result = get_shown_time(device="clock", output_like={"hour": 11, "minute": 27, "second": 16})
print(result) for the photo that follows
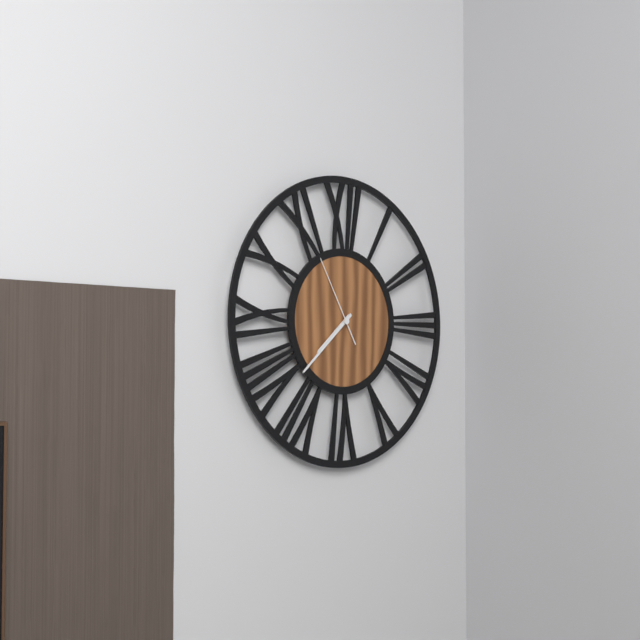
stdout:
{"hour": 7, "minute": 38, "second": 55}
